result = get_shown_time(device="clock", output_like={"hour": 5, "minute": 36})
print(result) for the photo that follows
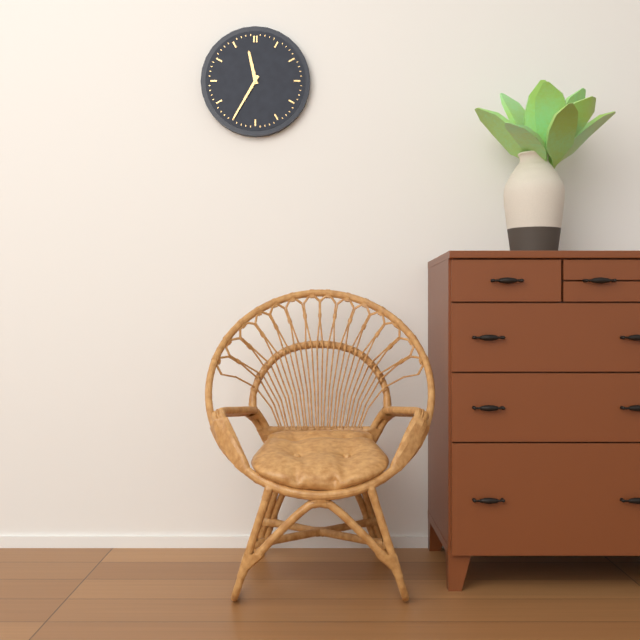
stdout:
{"hour": 11, "minute": 35}
